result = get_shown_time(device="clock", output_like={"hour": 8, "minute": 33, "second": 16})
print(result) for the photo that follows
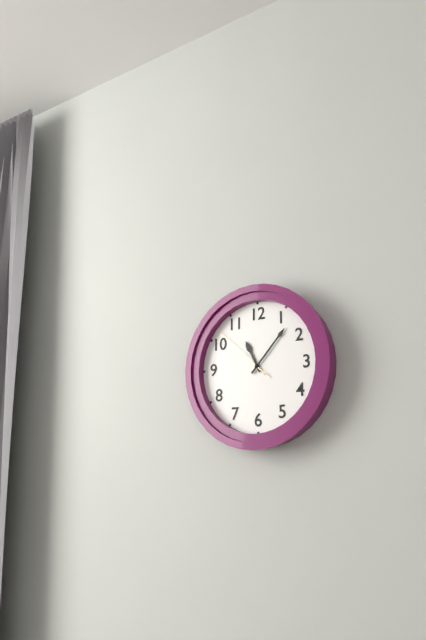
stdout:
{"hour": 11, "minute": 7, "second": 52}
